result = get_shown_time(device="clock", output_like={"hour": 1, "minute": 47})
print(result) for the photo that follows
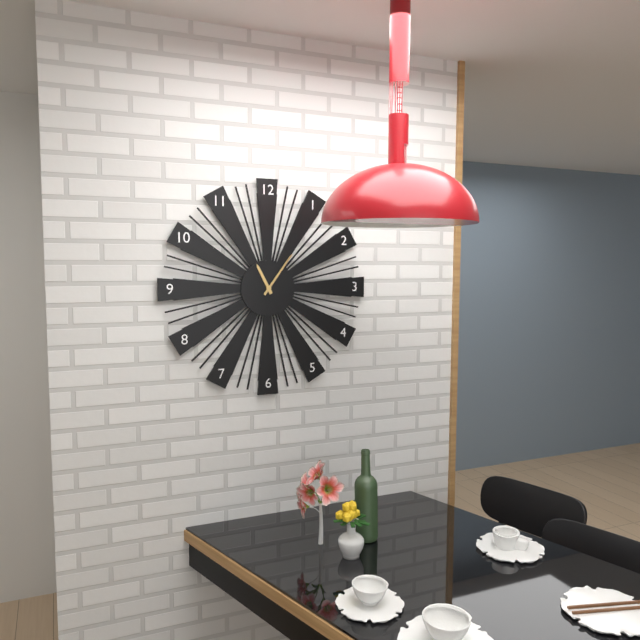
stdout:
{"hour": 11, "minute": 6}
